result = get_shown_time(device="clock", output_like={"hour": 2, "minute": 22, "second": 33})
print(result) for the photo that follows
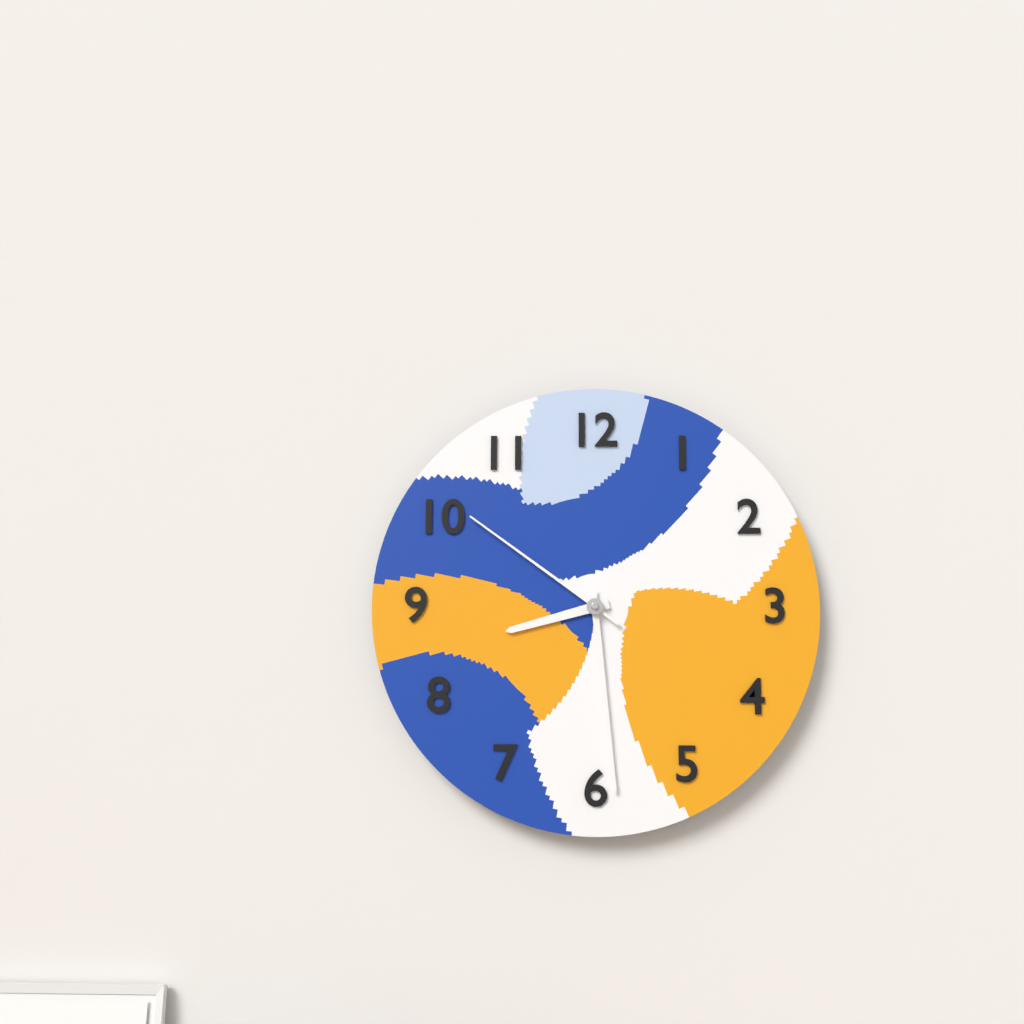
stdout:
{"hour": 8, "minute": 29, "second": 51}
